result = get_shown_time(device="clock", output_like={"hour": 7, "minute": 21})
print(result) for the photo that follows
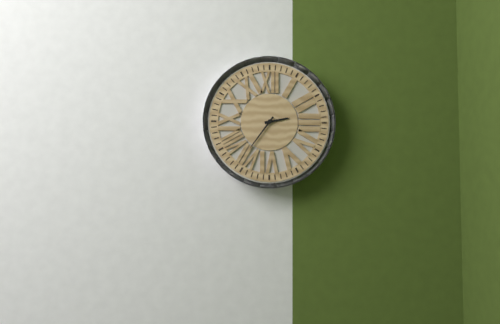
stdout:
{"hour": 2, "minute": 36}
